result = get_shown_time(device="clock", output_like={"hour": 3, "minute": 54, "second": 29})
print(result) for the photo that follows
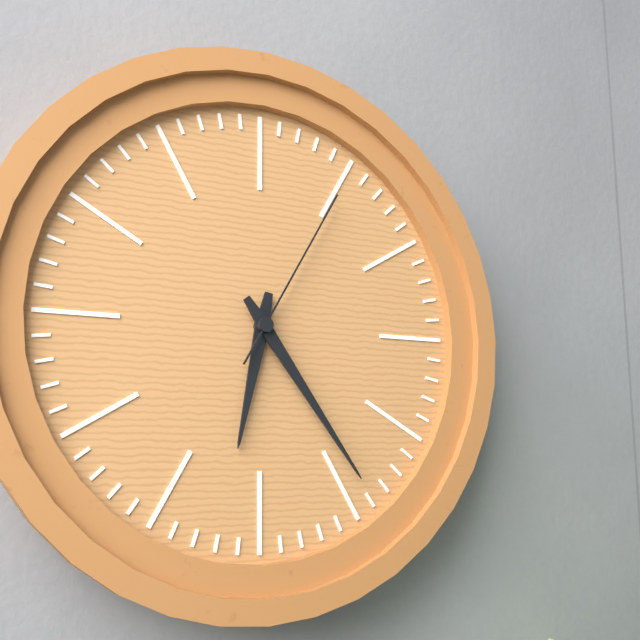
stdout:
{"hour": 6, "minute": 24, "second": 5}
